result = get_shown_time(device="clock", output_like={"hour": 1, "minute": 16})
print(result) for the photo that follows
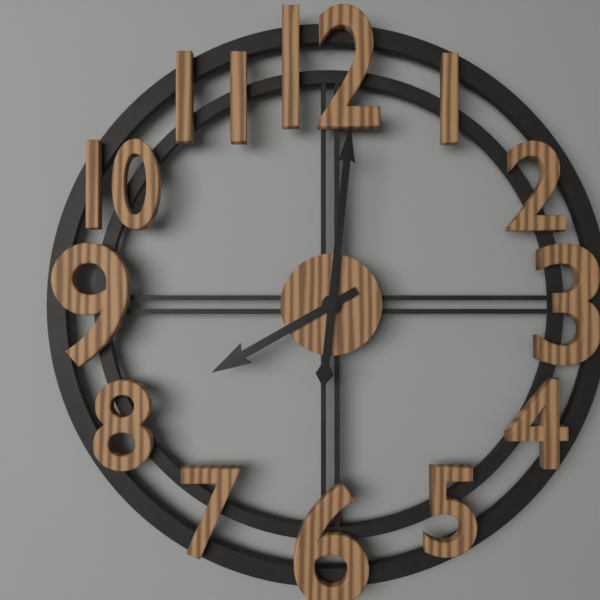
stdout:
{"hour": 8, "minute": 1}
